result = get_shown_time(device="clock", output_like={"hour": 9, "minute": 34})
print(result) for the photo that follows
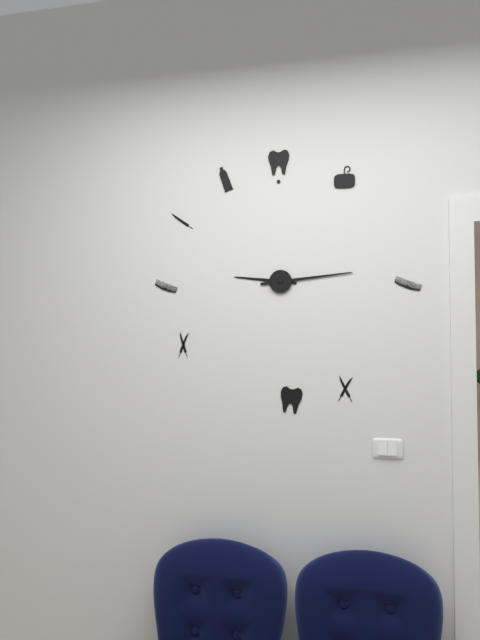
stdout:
{"hour": 9, "minute": 14}
